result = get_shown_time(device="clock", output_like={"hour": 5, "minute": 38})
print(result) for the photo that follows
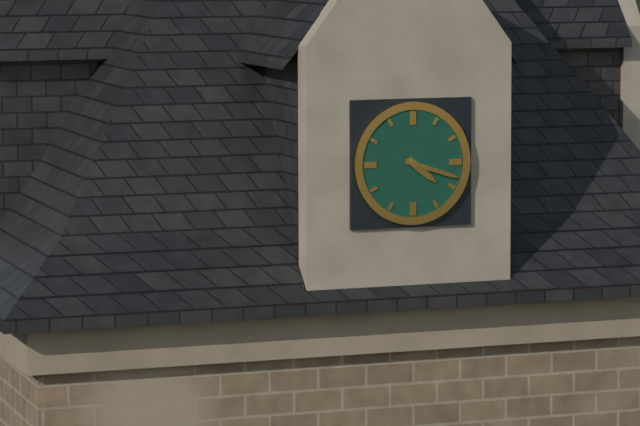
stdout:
{"hour": 4, "minute": 18}
